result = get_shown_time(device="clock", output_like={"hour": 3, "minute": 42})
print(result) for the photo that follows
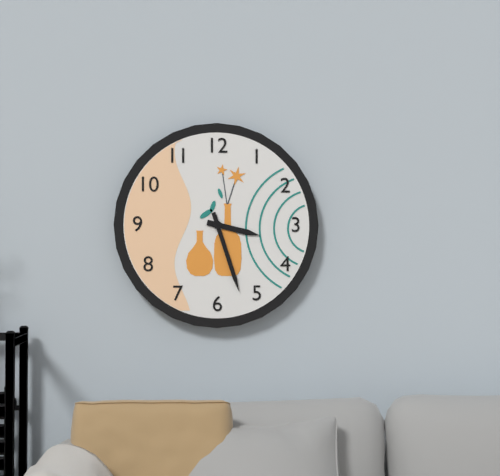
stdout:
{"hour": 3, "minute": 27}
